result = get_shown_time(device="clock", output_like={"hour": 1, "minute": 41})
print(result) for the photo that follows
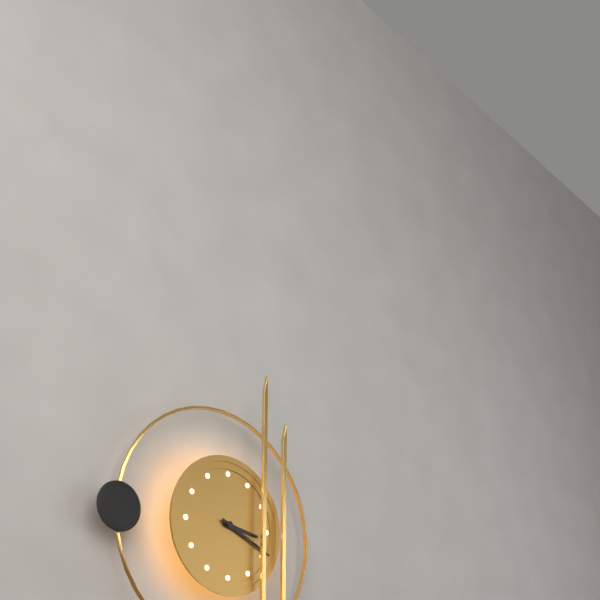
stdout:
{"hour": 3, "minute": 19}
